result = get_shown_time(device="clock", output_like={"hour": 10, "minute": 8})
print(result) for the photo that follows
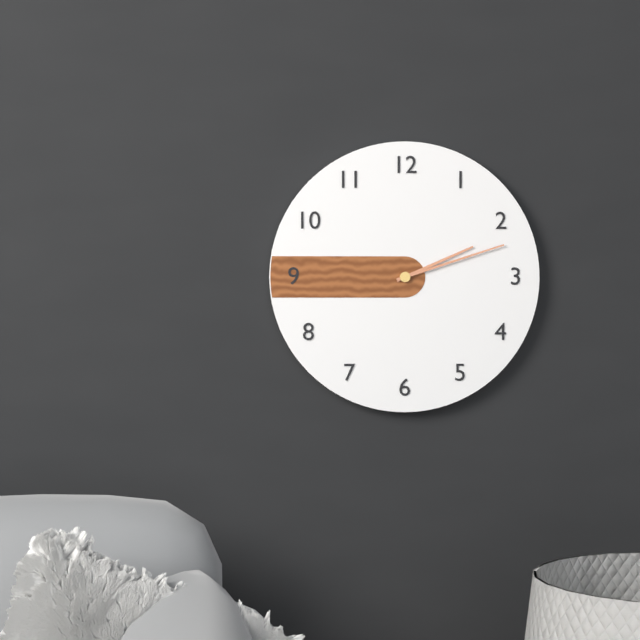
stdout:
{"hour": 2, "minute": 12}
